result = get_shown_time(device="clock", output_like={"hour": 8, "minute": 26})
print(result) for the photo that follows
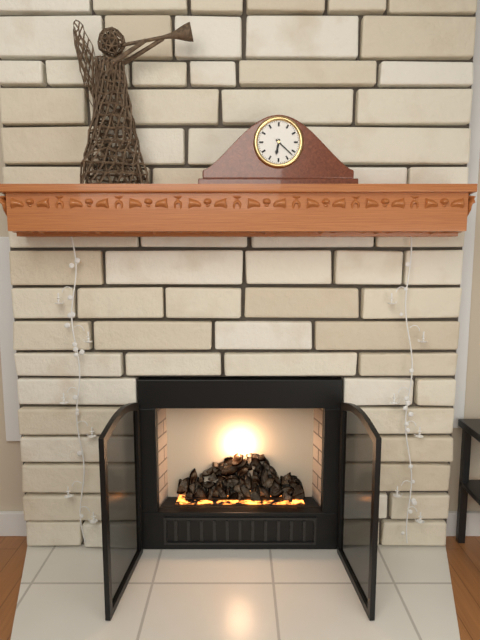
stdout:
{"hour": 6, "minute": 22}
